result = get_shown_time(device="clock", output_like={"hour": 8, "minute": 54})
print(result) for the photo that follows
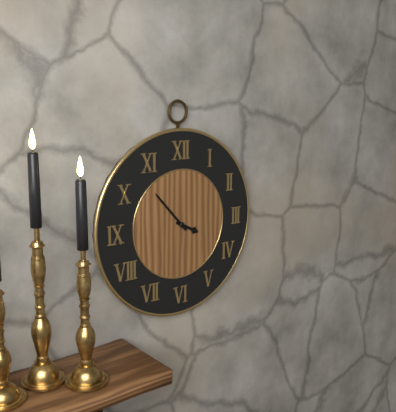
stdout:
{"hour": 3, "minute": 53}
